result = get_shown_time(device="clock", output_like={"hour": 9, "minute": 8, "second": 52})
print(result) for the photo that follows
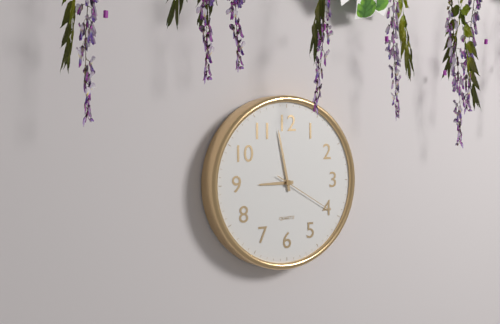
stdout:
{"hour": 8, "minute": 58, "second": 20}
